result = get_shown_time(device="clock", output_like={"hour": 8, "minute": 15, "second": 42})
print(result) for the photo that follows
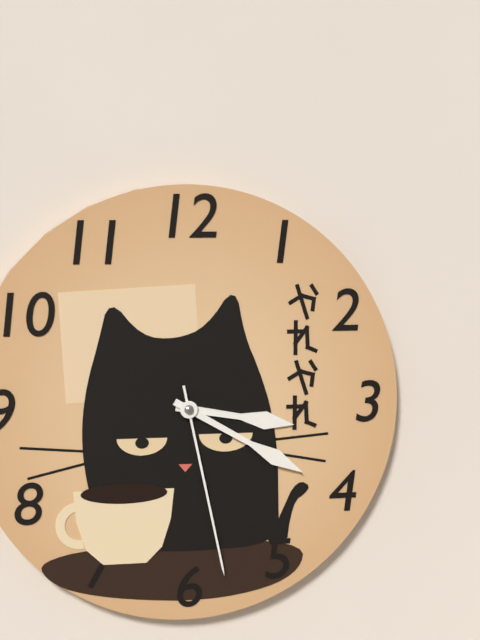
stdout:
{"hour": 3, "minute": 20, "second": 28}
